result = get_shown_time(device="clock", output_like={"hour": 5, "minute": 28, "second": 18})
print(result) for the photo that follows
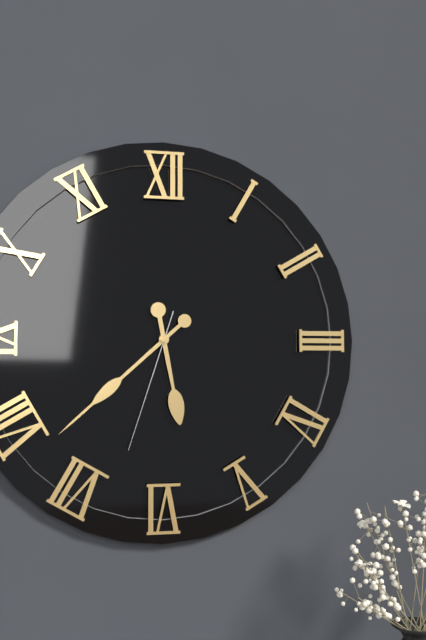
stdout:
{"hour": 5, "minute": 38, "second": 33}
